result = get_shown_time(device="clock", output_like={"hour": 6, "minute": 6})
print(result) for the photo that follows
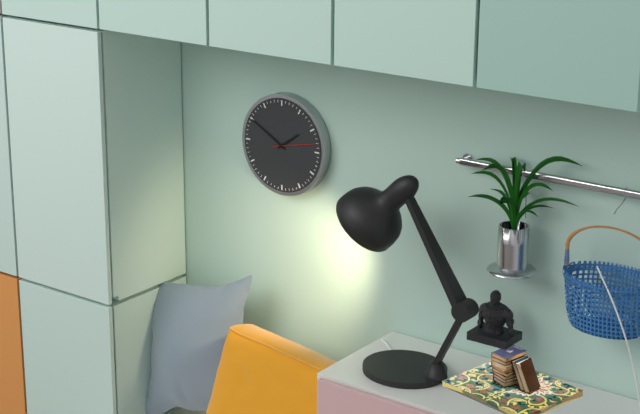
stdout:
{"hour": 1, "minute": 50}
